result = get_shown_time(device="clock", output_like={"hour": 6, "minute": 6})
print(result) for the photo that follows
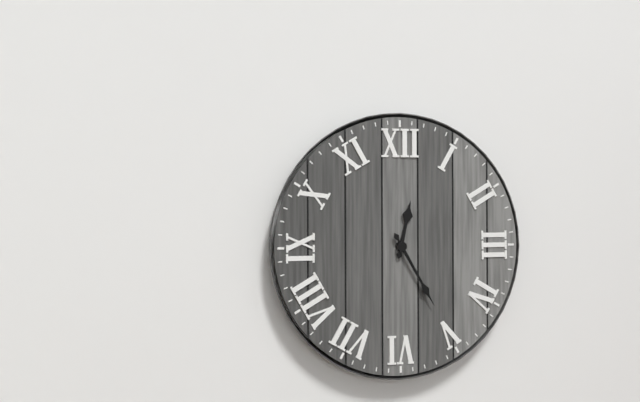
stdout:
{"hour": 12, "minute": 25}
